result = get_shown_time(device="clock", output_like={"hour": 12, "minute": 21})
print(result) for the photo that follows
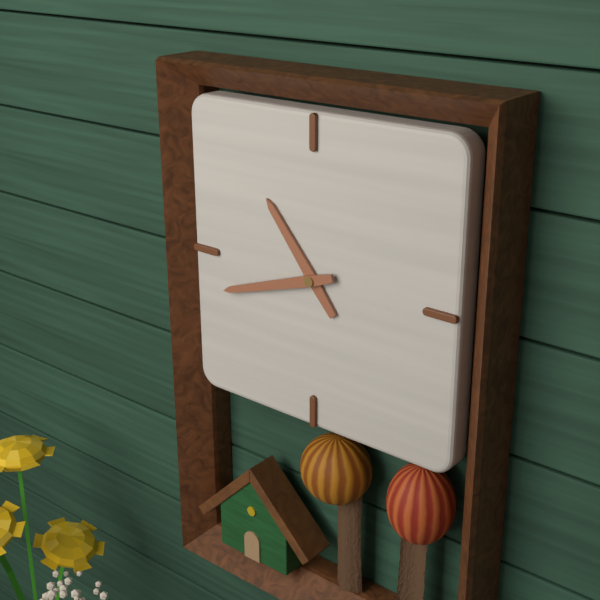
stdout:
{"hour": 10, "minute": 42}
